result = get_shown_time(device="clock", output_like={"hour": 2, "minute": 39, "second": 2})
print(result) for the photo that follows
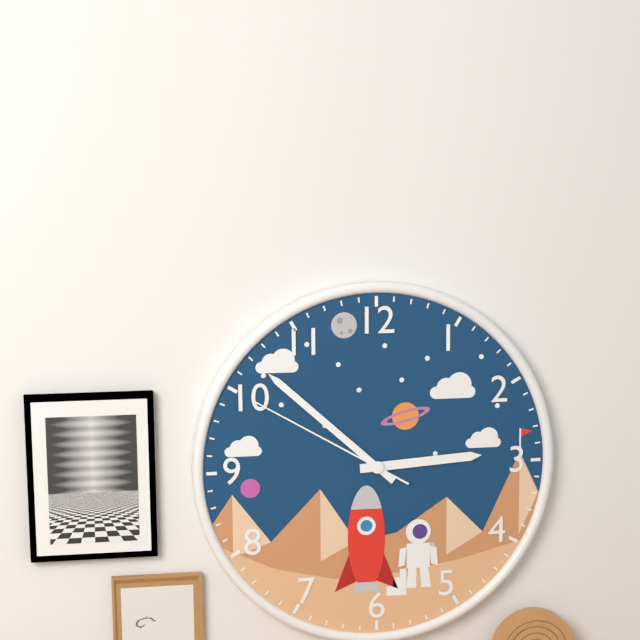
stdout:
{"hour": 2, "minute": 52, "second": 50}
